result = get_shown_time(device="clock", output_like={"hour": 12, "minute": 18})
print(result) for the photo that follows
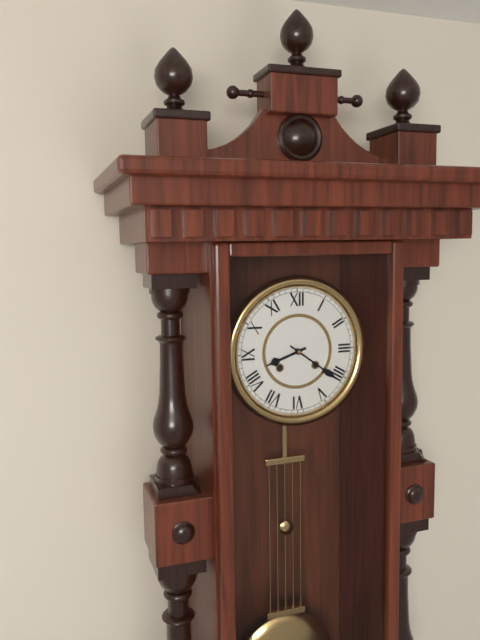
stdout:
{"hour": 8, "minute": 21}
